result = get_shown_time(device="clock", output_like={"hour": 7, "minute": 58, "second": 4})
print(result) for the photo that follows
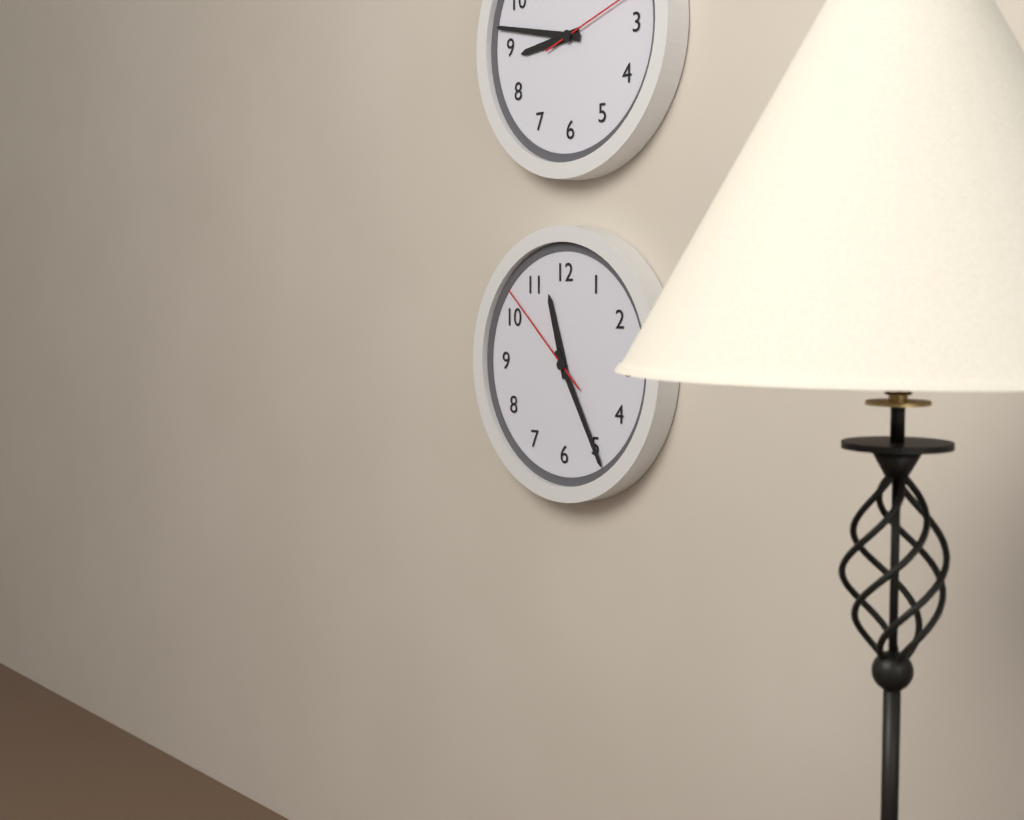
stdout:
{"hour": 11, "minute": 25, "second": 52}
